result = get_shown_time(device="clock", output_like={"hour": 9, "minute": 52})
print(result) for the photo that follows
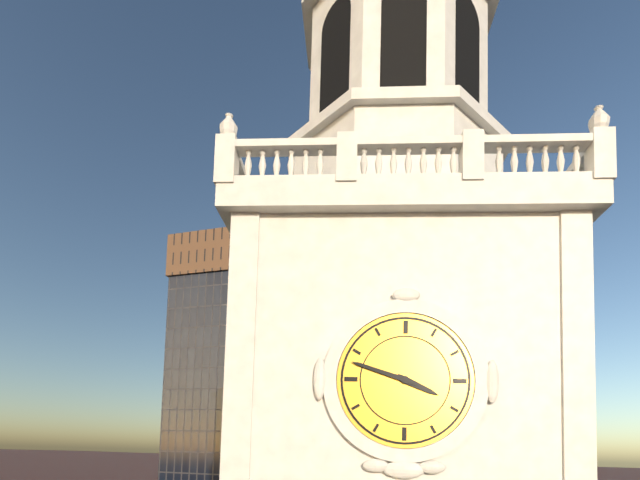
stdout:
{"hour": 3, "minute": 48}
